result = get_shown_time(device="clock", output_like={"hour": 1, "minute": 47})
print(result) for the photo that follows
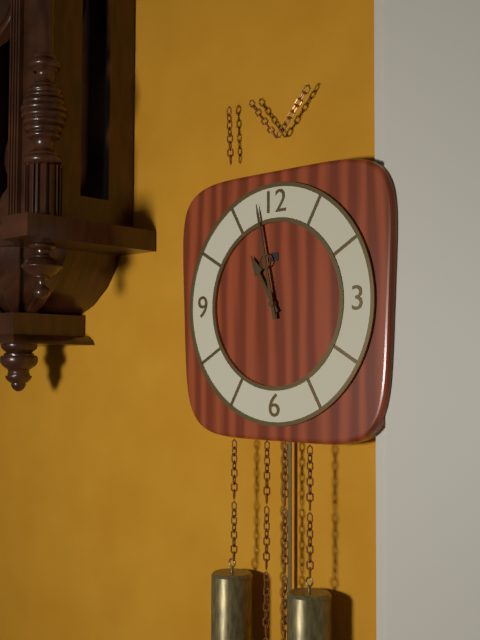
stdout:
{"hour": 10, "minute": 58}
